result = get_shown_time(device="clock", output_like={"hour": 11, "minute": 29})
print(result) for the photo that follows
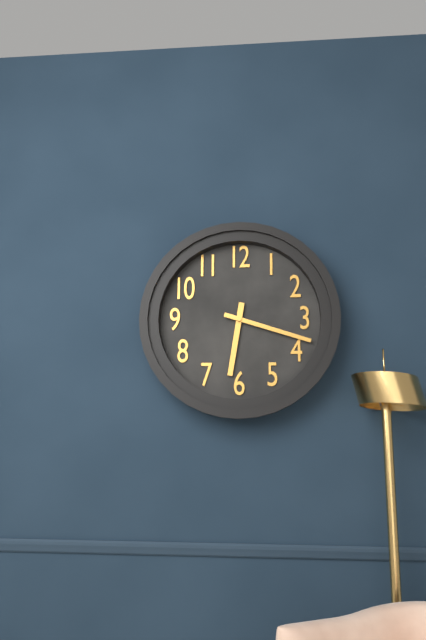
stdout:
{"hour": 6, "minute": 18}
